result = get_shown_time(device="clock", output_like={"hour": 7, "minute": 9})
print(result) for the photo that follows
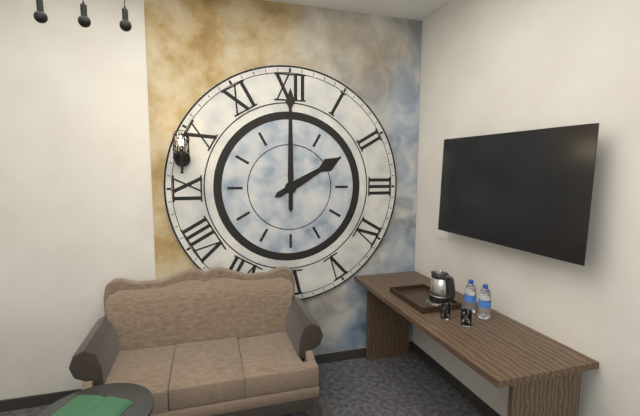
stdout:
{"hour": 2, "minute": 0}
